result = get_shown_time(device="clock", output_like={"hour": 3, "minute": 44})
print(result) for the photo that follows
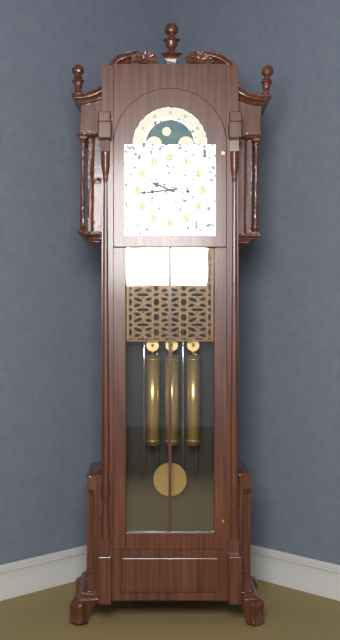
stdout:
{"hour": 9, "minute": 44}
